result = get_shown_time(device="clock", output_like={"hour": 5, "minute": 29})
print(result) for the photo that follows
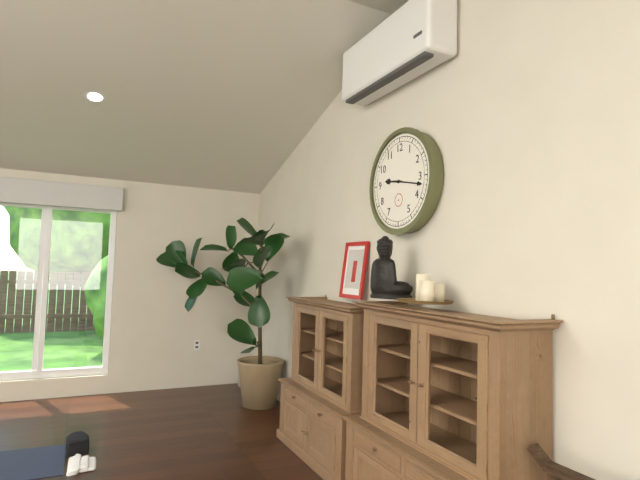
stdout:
{"hour": 9, "minute": 17}
